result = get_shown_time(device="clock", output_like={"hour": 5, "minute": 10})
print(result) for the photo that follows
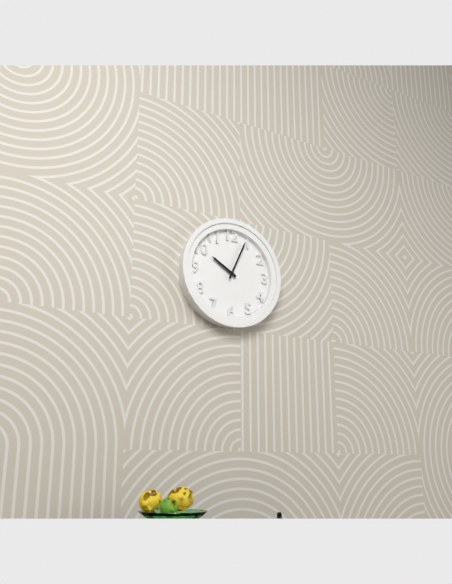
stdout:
{"hour": 10, "minute": 4}
